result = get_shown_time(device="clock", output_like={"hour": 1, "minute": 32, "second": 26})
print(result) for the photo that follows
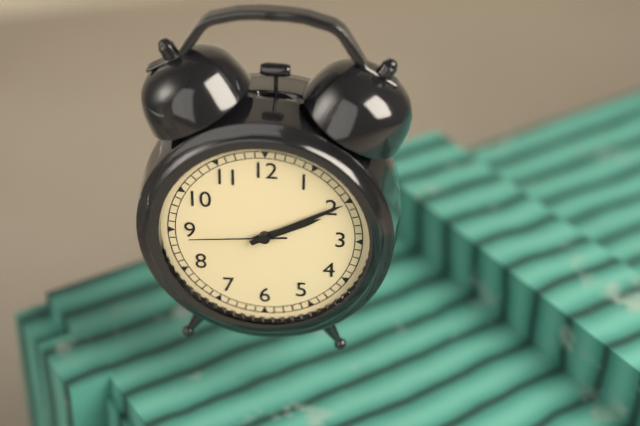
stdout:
{"hour": 2, "minute": 10, "second": 44}
